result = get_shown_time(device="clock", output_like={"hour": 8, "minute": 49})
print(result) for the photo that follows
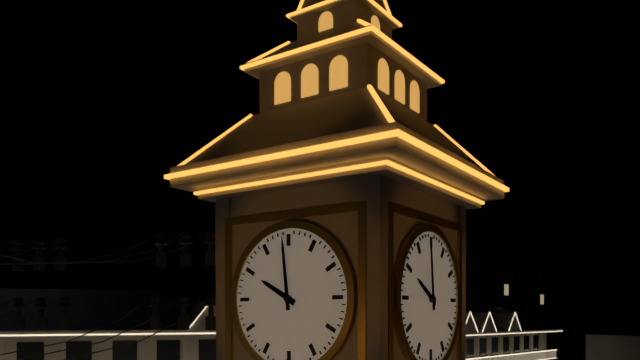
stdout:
{"hour": 9, "minute": 59}
